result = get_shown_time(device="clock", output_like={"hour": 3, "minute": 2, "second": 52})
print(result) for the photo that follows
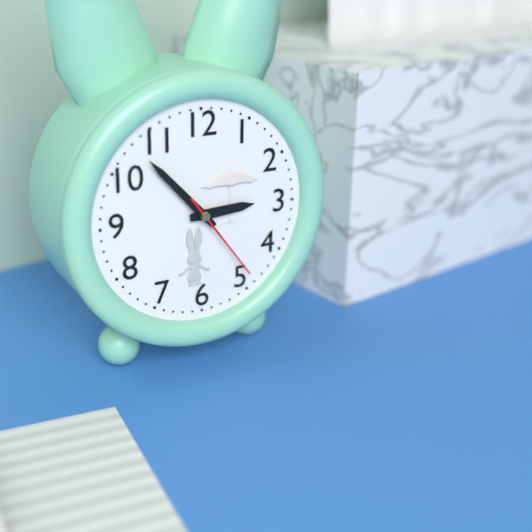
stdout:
{"hour": 2, "minute": 53, "second": 24}
